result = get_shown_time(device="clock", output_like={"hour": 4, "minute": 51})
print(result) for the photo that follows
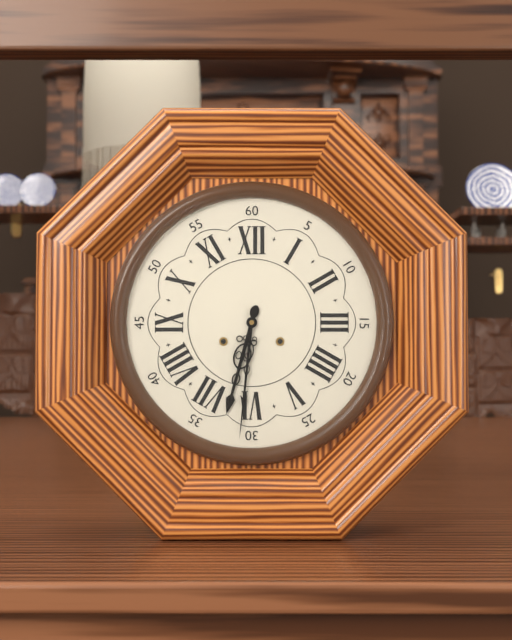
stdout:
{"hour": 6, "minute": 31}
